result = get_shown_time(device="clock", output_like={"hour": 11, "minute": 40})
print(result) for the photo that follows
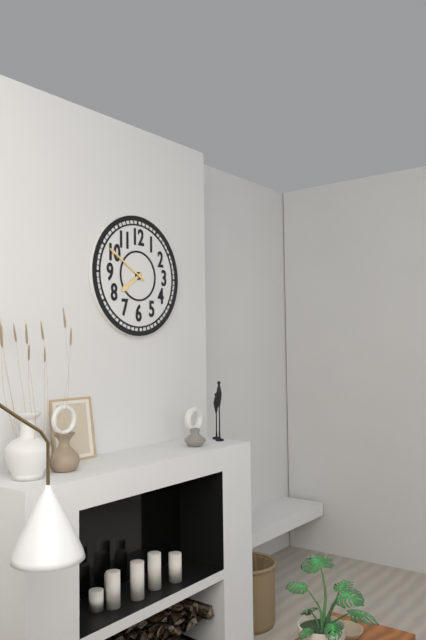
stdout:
{"hour": 7, "minute": 50}
